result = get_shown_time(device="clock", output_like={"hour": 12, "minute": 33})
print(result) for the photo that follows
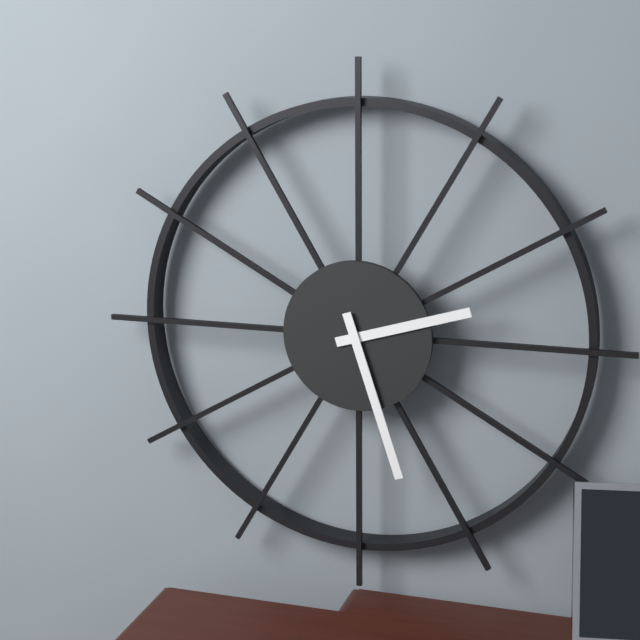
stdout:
{"hour": 2, "minute": 27}
